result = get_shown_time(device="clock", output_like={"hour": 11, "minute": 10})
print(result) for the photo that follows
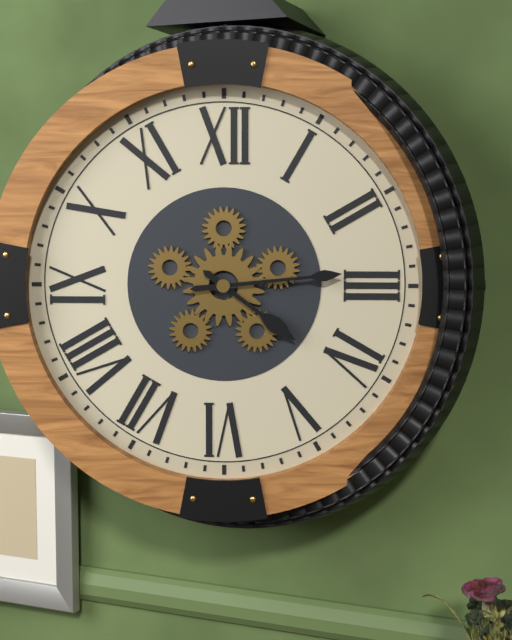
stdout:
{"hour": 4, "minute": 14}
